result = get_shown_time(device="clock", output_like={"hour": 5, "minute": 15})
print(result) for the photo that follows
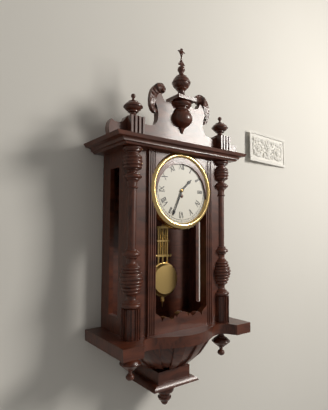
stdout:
{"hour": 1, "minute": 34}
